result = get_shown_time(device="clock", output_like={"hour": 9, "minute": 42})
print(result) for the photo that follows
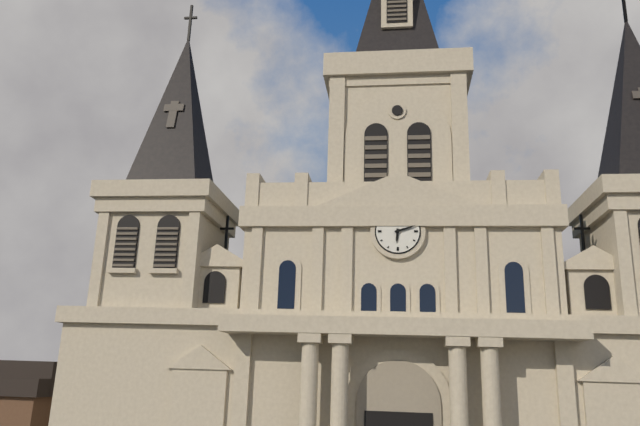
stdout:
{"hour": 6, "minute": 12}
